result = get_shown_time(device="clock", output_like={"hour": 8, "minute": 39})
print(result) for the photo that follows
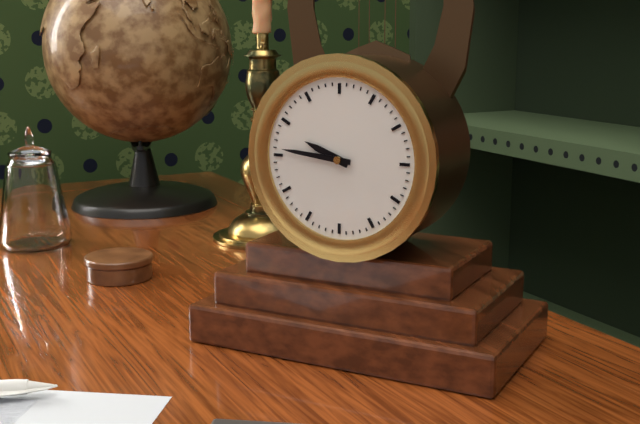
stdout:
{"hour": 9, "minute": 46}
